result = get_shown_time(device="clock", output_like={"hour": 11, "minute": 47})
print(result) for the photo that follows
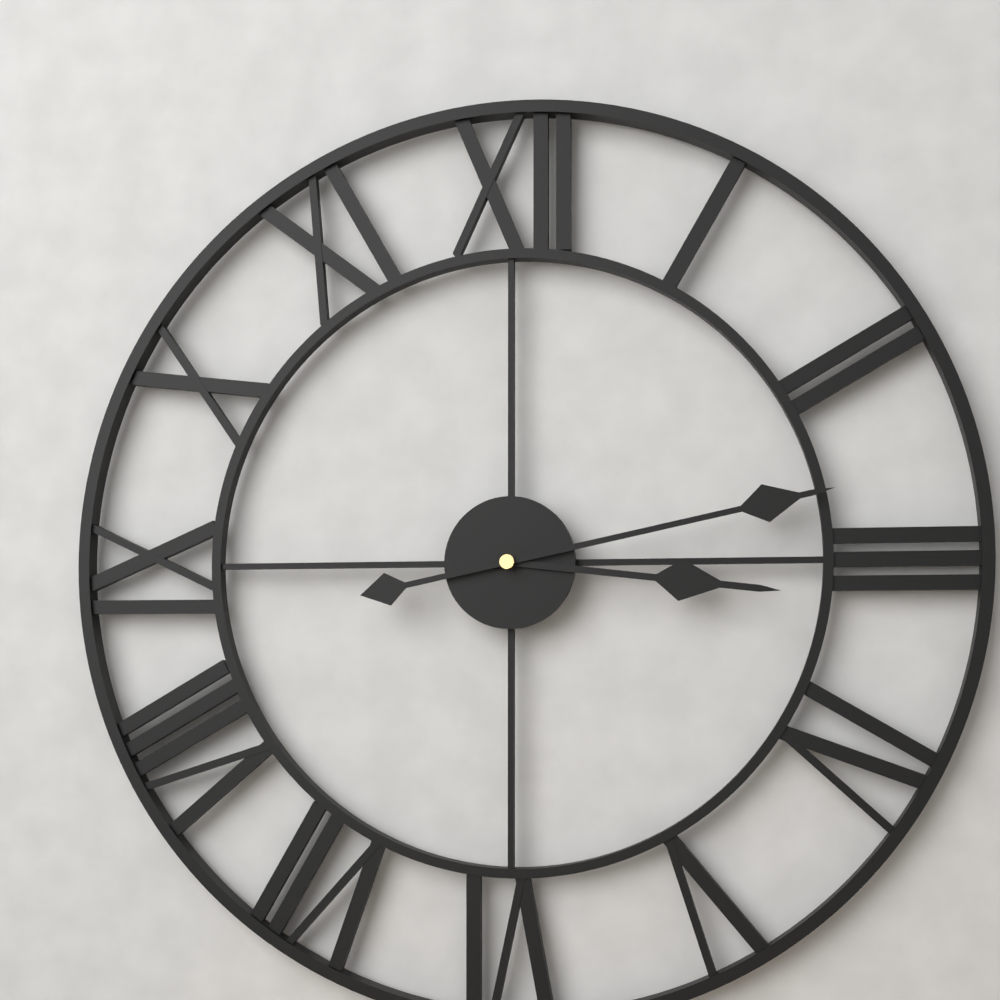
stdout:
{"hour": 3, "minute": 13}
